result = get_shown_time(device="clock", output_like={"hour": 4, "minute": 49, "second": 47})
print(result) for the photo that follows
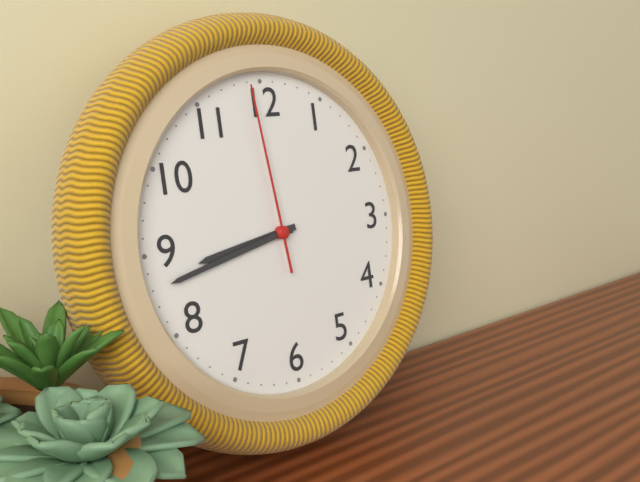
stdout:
{"hour": 8, "minute": 43, "second": 59}
